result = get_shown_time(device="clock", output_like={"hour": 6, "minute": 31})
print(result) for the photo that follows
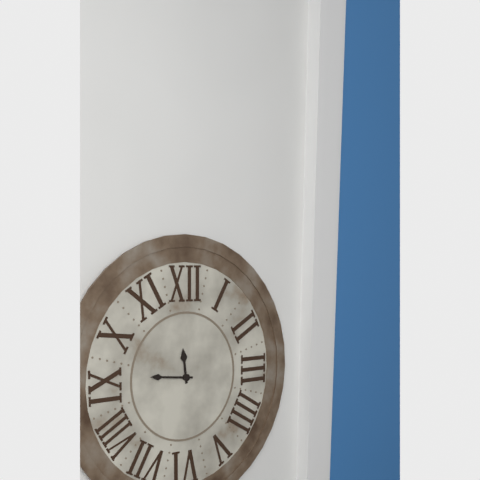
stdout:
{"hour": 11, "minute": 46}
